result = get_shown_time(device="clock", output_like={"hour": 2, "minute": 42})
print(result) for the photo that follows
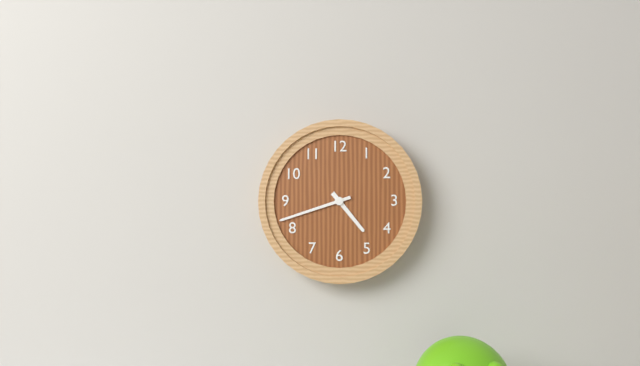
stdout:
{"hour": 4, "minute": 42}
